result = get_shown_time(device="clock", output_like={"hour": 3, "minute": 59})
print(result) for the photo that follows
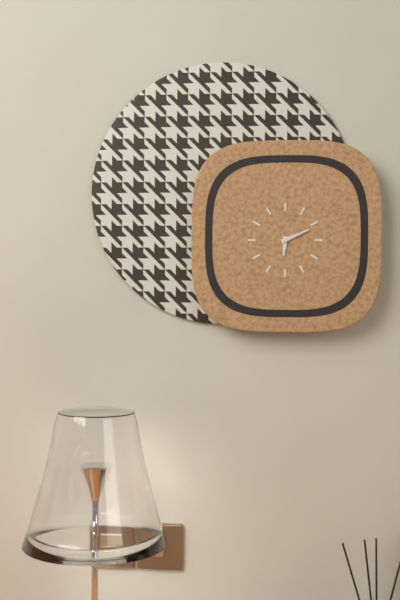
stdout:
{"hour": 6, "minute": 11}
